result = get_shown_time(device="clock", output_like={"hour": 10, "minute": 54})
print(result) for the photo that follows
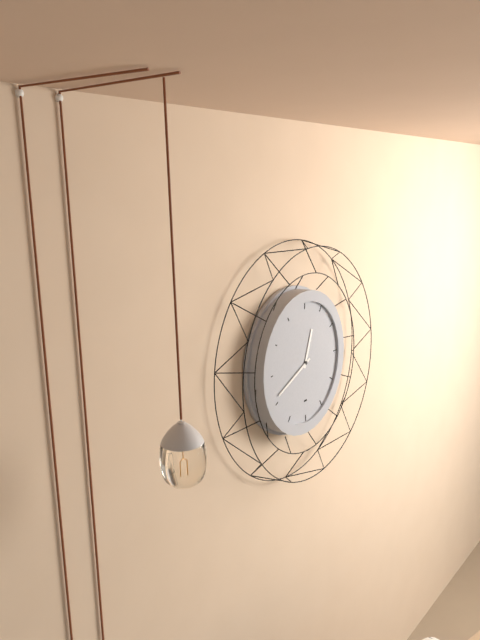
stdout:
{"hour": 12, "minute": 41}
